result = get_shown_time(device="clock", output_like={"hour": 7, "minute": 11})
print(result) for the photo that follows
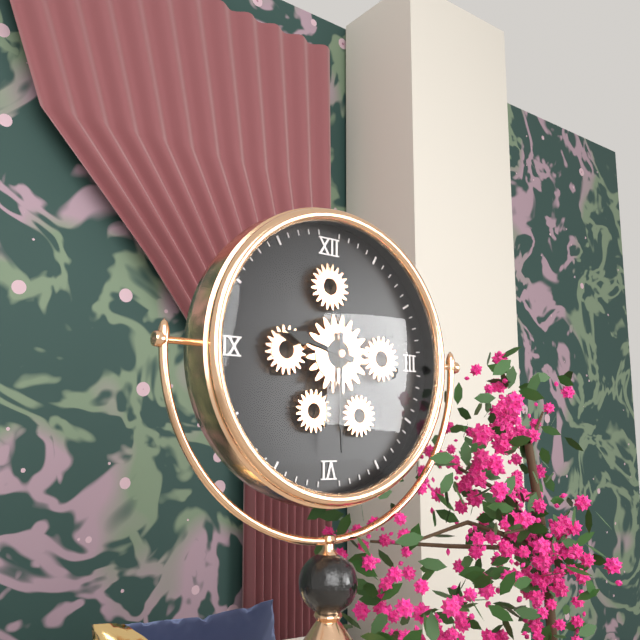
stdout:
{"hour": 9, "minute": 30}
